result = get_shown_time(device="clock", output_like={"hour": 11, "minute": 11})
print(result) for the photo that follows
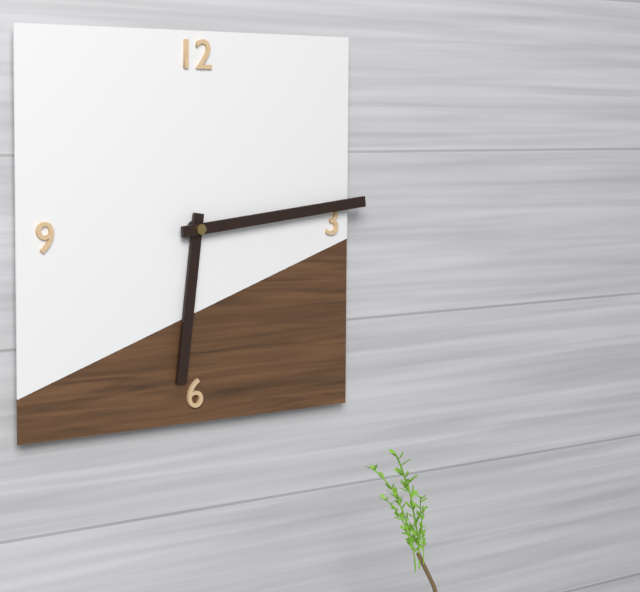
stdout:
{"hour": 6, "minute": 14}
